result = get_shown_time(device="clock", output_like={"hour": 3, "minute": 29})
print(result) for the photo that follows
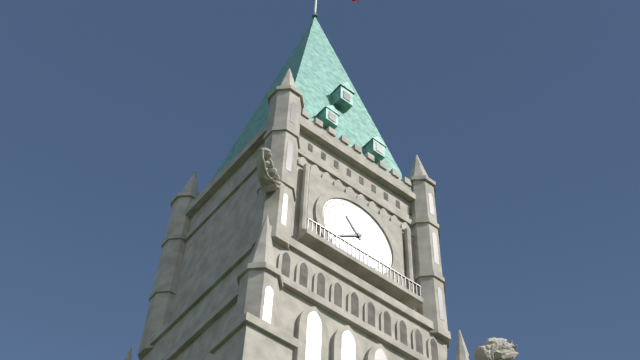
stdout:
{"hour": 10, "minute": 39}
